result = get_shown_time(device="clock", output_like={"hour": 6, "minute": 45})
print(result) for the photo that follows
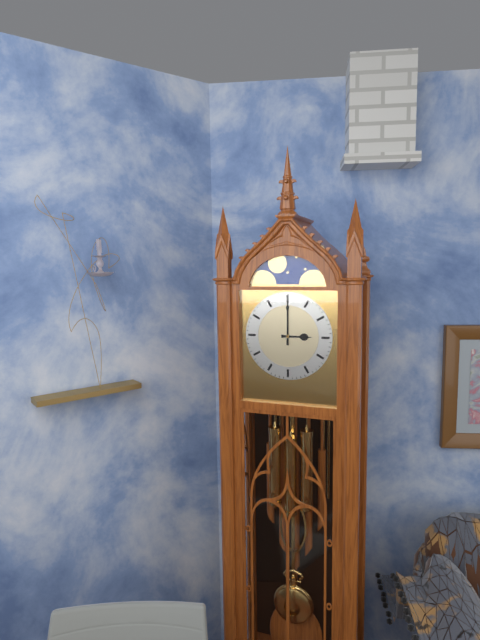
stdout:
{"hour": 3, "minute": 0}
